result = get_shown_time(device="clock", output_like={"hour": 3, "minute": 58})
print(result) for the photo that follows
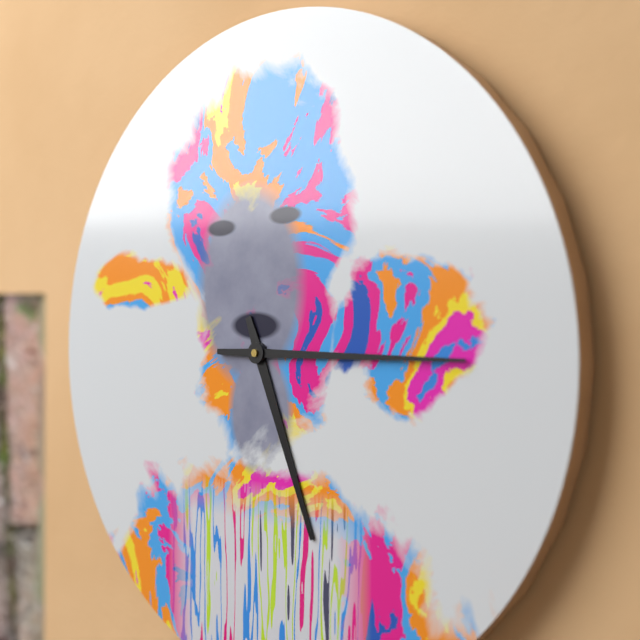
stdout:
{"hour": 5, "minute": 15}
